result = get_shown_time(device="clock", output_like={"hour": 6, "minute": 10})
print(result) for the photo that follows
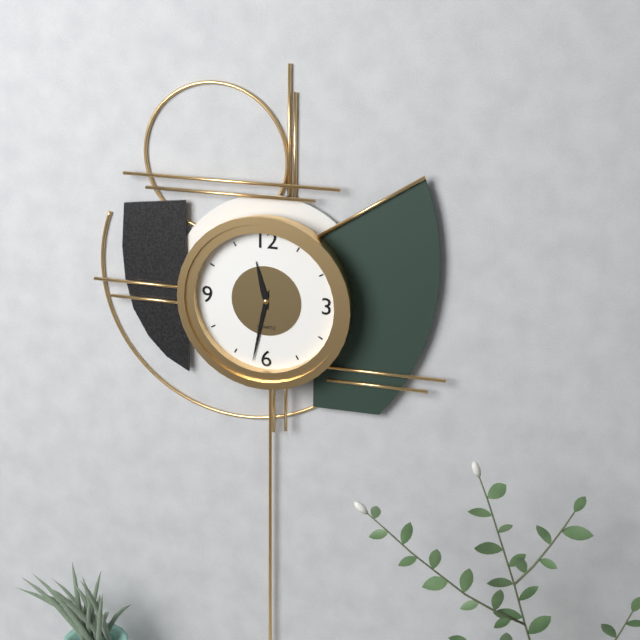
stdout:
{"hour": 11, "minute": 32}
